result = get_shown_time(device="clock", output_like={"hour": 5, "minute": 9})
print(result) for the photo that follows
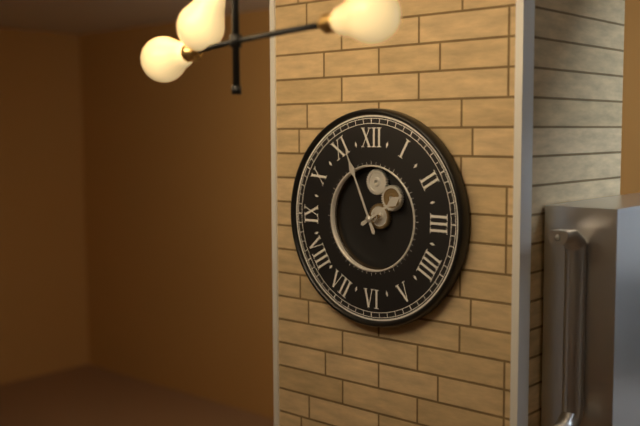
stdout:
{"hour": 1, "minute": 56}
